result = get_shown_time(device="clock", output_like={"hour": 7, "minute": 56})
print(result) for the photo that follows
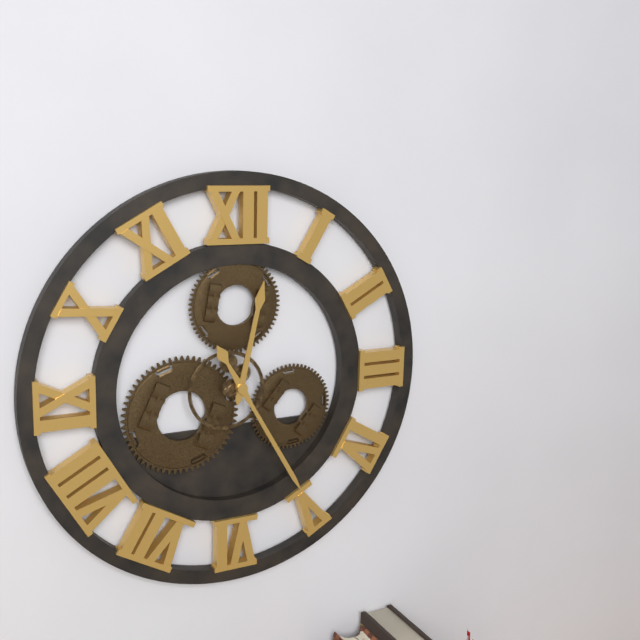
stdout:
{"hour": 12, "minute": 25}
